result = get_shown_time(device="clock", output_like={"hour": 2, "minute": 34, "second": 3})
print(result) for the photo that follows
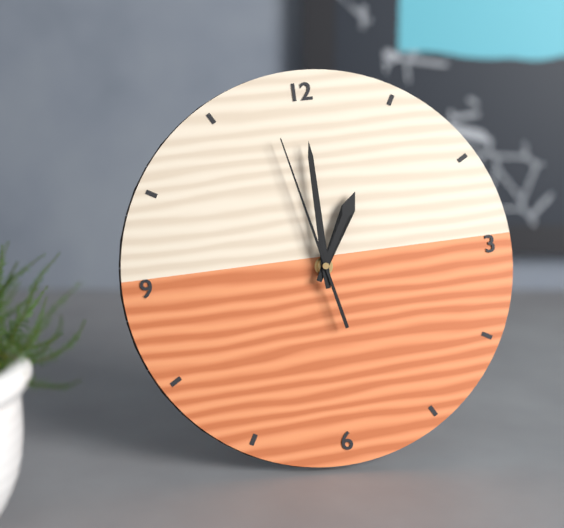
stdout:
{"hour": 1, "minute": 0, "second": 58}
